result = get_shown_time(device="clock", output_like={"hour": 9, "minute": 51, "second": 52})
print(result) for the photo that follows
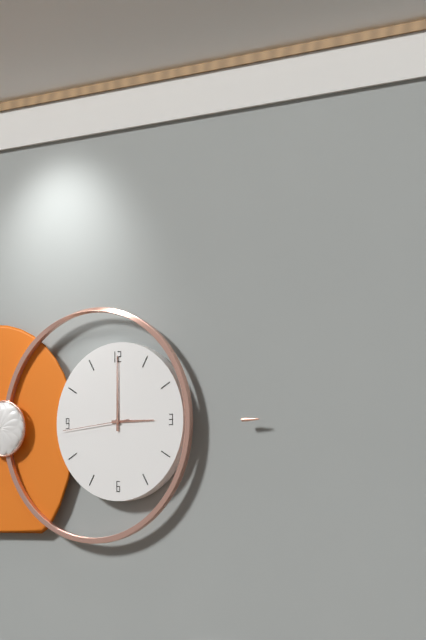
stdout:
{"hour": 3, "minute": 0, "second": 44}
